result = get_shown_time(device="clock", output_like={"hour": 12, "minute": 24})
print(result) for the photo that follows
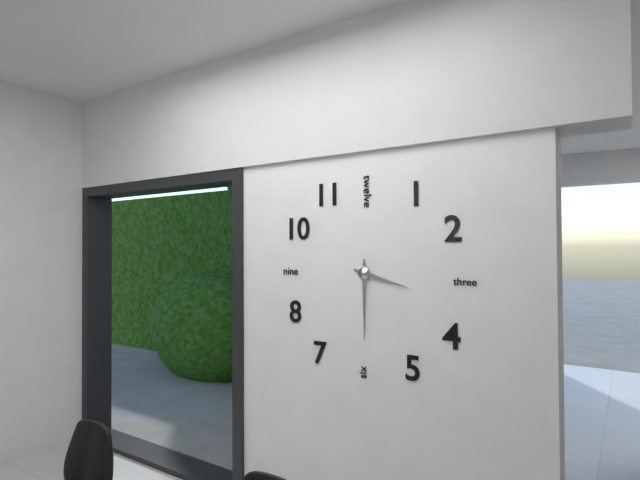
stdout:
{"hour": 3, "minute": 30}
